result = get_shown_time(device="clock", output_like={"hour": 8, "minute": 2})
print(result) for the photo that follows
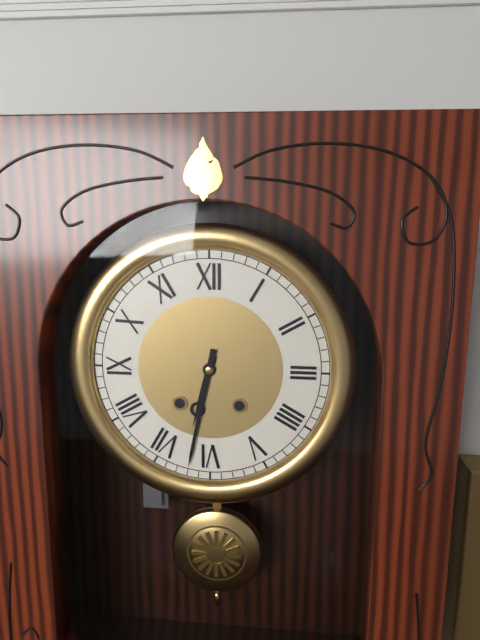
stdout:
{"hour": 6, "minute": 32}
